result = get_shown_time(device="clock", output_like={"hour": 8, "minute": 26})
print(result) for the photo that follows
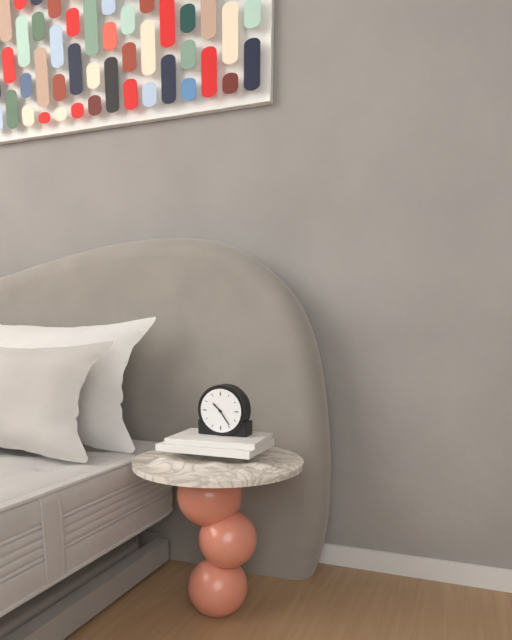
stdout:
{"hour": 10, "minute": 24}
